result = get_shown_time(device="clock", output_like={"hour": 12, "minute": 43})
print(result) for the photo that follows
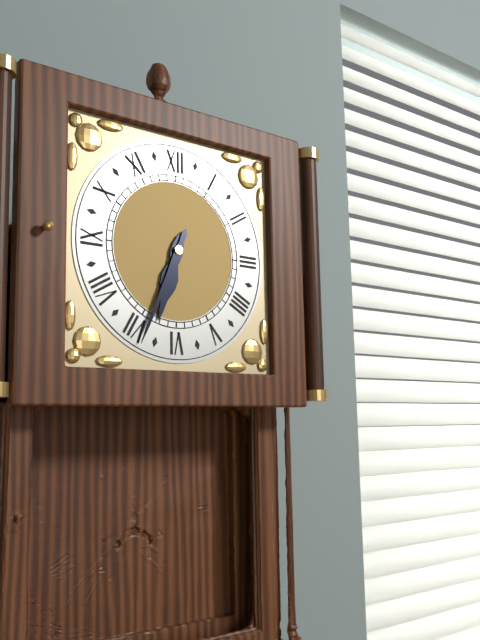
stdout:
{"hour": 6, "minute": 34}
